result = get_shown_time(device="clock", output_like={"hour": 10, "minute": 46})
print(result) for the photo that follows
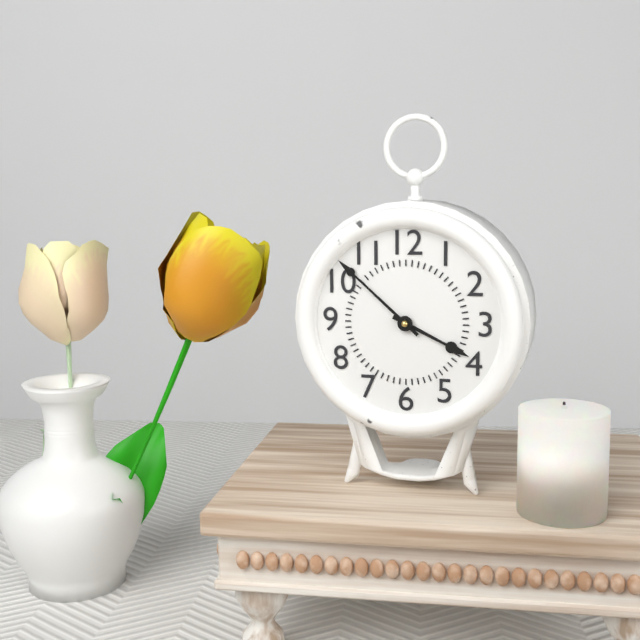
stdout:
{"hour": 3, "minute": 52}
